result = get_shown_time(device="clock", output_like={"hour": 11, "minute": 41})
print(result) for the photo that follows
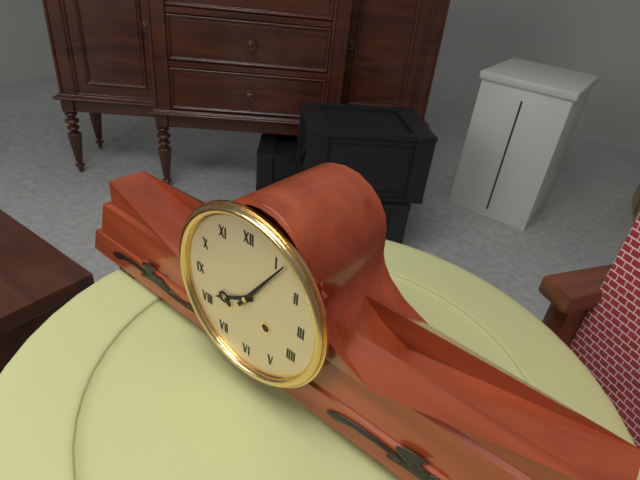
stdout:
{"hour": 8, "minute": 6}
